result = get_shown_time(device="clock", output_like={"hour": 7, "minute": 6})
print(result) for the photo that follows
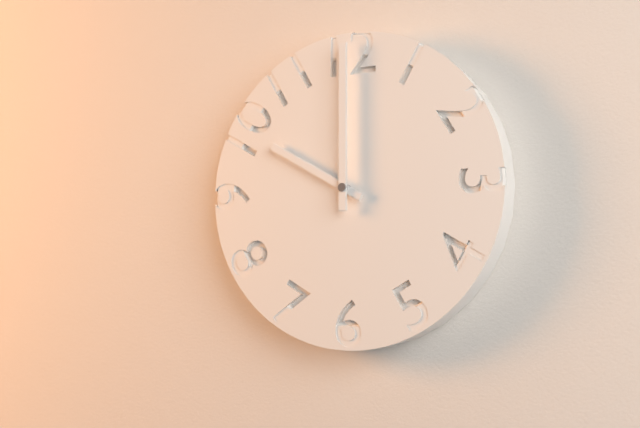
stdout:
{"hour": 10, "minute": 0}
